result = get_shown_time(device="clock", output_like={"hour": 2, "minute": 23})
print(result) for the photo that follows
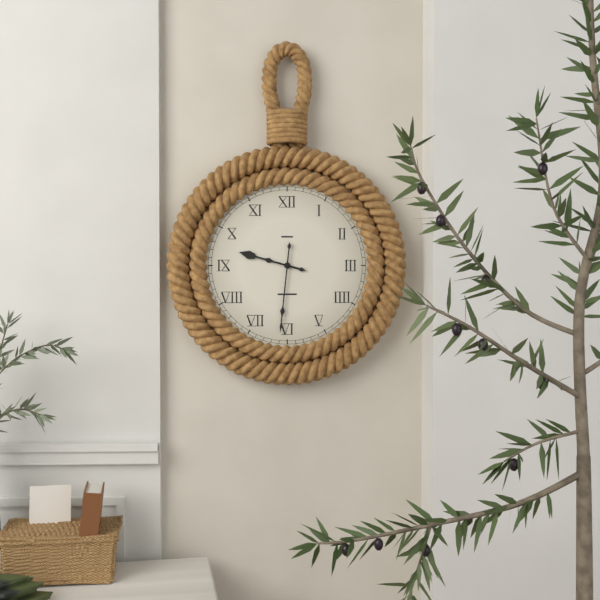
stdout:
{"hour": 9, "minute": 31}
